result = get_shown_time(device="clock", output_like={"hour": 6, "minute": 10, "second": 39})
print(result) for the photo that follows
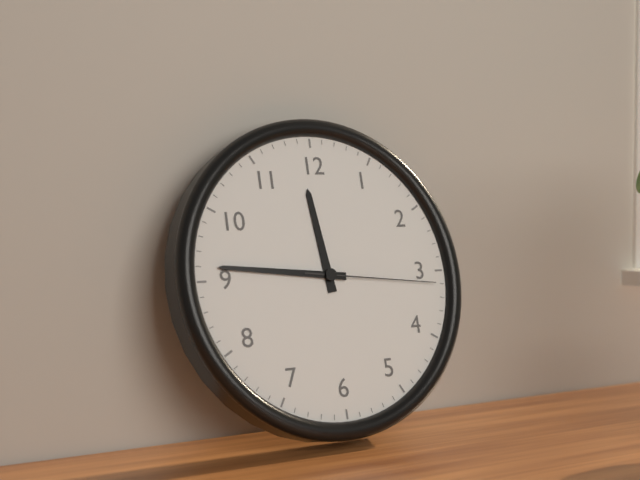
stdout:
{"hour": 11, "minute": 46, "second": 16}
